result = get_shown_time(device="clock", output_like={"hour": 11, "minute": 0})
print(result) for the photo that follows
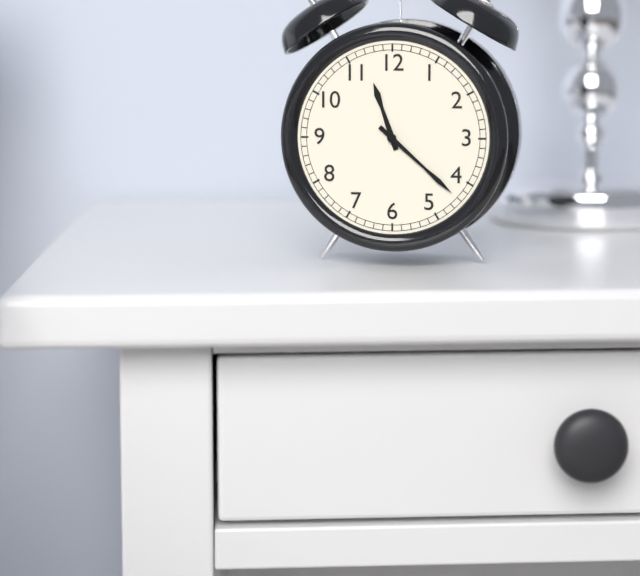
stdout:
{"hour": 11, "minute": 22}
